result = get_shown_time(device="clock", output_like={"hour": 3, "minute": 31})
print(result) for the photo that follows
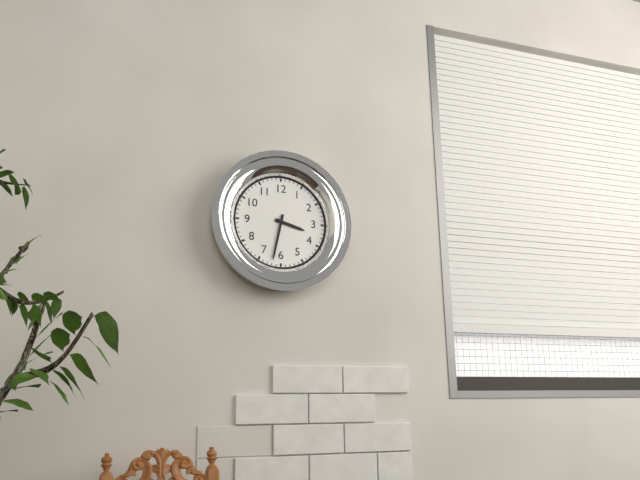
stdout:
{"hour": 3, "minute": 32}
